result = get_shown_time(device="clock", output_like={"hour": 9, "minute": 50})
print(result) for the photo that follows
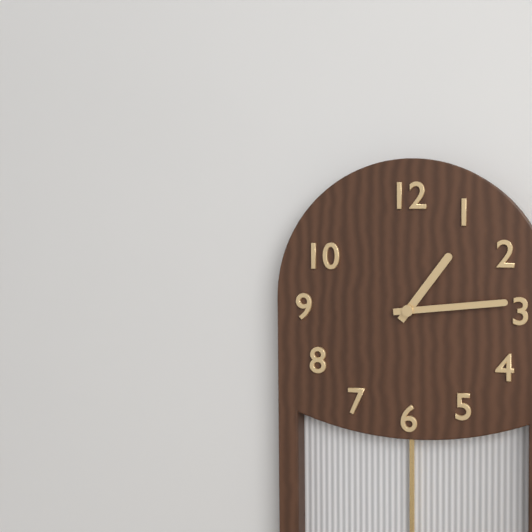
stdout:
{"hour": 1, "minute": 14}
